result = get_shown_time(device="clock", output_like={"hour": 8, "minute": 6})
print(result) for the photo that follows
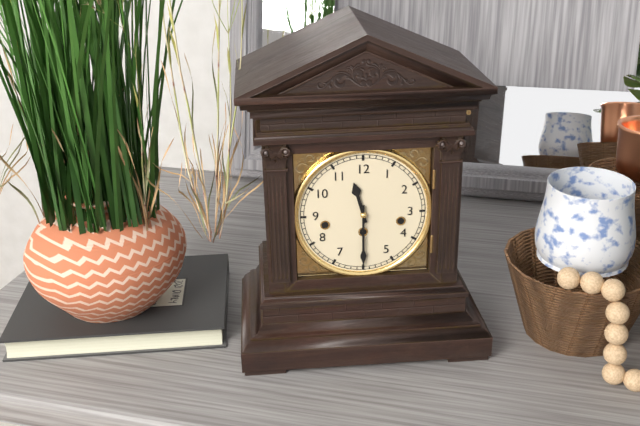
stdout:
{"hour": 11, "minute": 30}
